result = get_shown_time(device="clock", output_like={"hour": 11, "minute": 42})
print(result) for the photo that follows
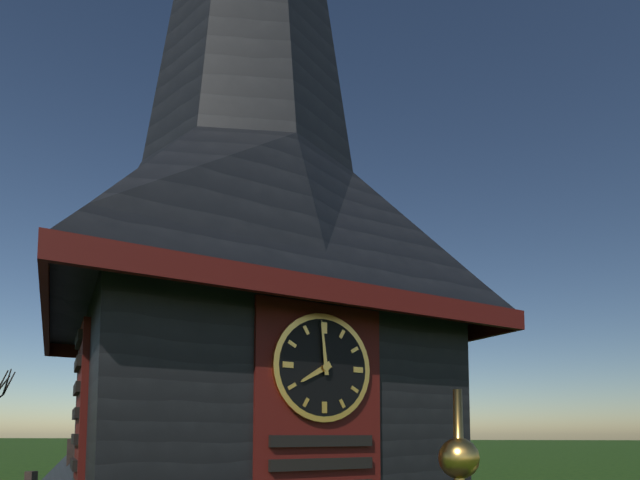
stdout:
{"hour": 7, "minute": 59}
